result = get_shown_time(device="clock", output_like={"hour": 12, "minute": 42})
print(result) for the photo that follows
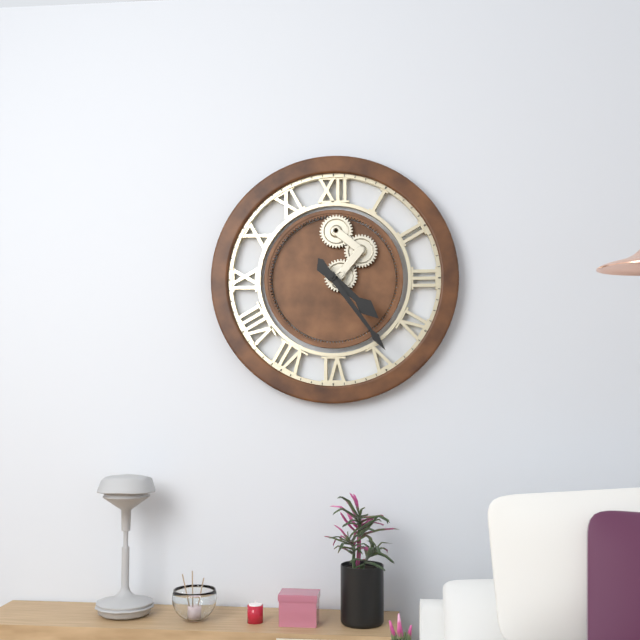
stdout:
{"hour": 4, "minute": 24}
